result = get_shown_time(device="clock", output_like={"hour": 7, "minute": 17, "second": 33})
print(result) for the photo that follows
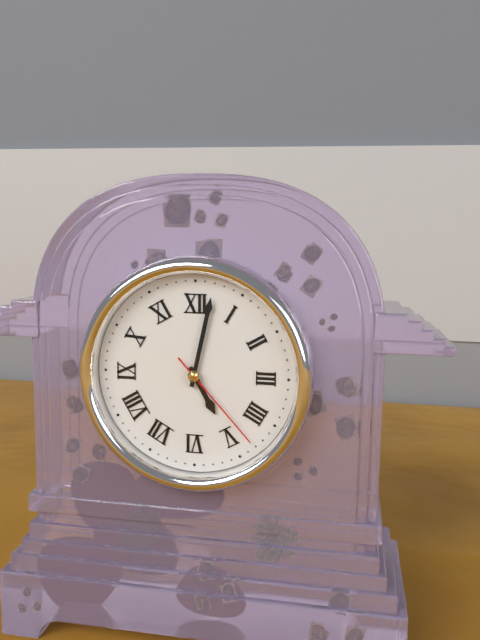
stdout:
{"hour": 5, "minute": 2, "second": 23}
